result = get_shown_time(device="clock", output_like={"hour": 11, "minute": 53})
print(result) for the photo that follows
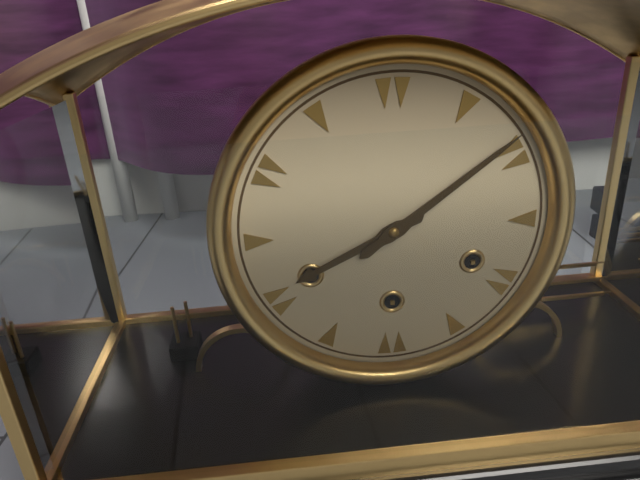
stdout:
{"hour": 8, "minute": 9}
